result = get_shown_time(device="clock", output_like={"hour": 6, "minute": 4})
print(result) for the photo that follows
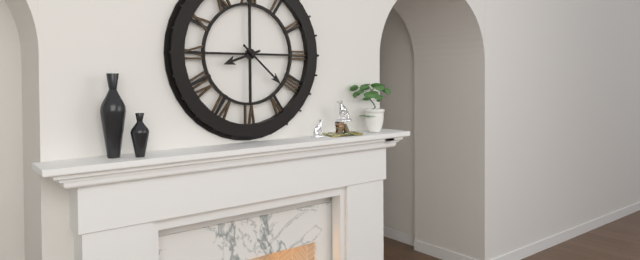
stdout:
{"hour": 8, "minute": 22}
